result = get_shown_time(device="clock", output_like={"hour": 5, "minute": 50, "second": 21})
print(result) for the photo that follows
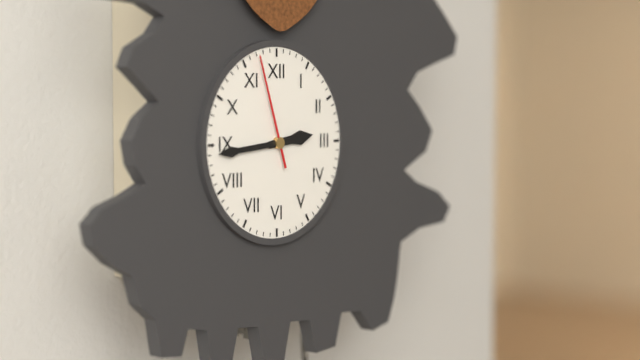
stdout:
{"hour": 2, "minute": 44, "second": 57}
